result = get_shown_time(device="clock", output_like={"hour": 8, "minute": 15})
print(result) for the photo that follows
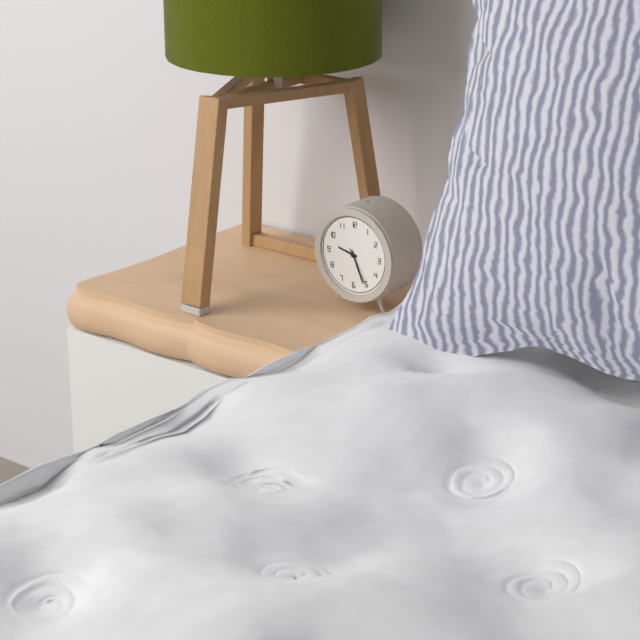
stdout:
{"hour": 9, "minute": 26}
